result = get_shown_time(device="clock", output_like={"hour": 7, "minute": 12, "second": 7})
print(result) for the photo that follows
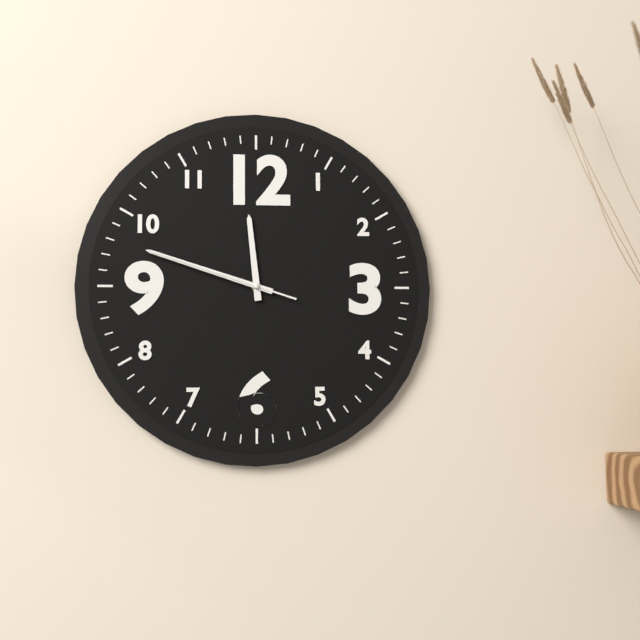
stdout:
{"hour": 11, "minute": 48, "second": 48}
